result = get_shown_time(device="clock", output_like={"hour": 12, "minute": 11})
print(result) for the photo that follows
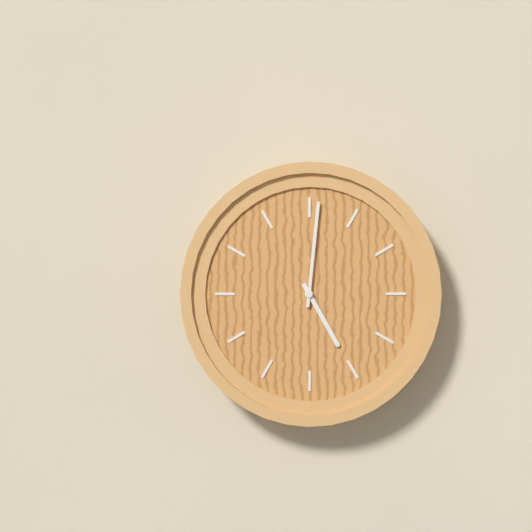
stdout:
{"hour": 5, "minute": 1}
